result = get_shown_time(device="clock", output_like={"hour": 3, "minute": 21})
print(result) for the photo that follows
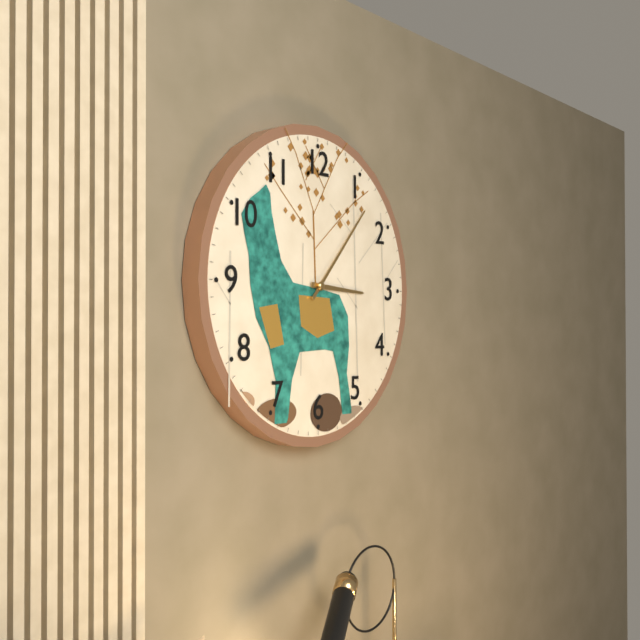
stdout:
{"hour": 3, "minute": 7}
